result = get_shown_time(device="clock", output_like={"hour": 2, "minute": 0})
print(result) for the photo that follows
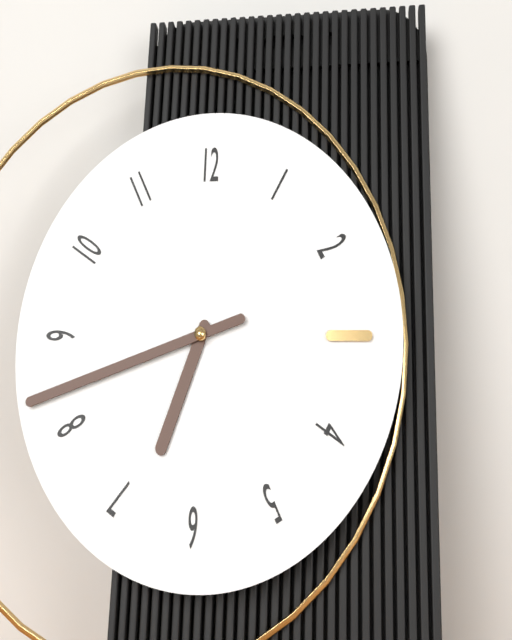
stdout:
{"hour": 6, "minute": 42}
